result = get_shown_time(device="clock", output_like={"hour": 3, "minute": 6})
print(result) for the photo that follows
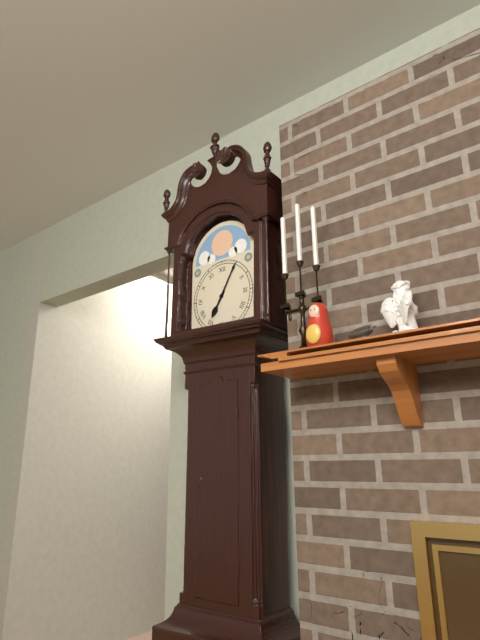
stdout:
{"hour": 7, "minute": 5}
